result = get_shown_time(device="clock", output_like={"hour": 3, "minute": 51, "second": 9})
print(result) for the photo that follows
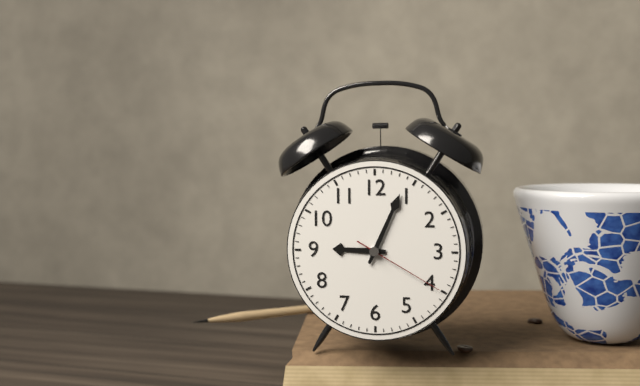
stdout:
{"hour": 9, "minute": 4, "second": 20}
